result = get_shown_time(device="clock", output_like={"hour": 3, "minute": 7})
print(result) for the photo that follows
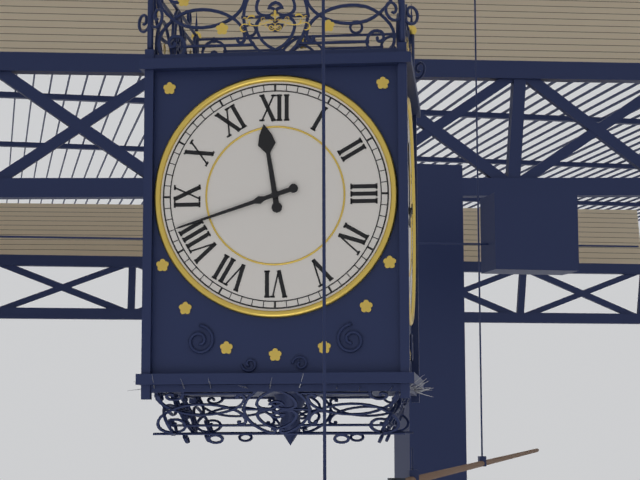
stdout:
{"hour": 11, "minute": 42}
